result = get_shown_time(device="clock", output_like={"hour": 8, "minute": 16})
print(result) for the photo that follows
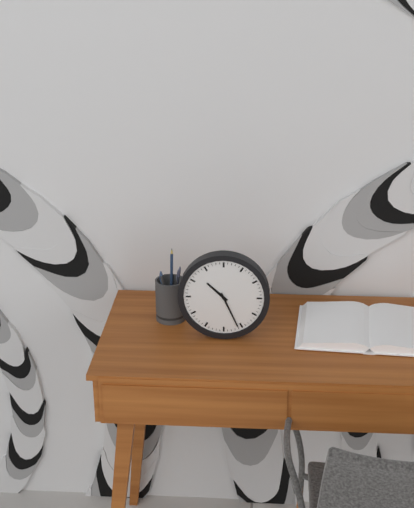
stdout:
{"hour": 10, "minute": 26}
